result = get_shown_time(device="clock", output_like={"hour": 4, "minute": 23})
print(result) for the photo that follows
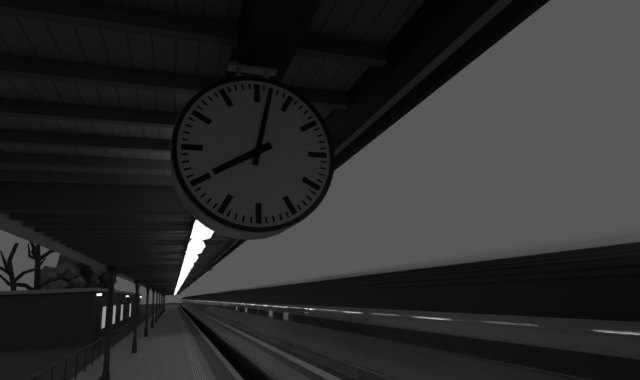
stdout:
{"hour": 8, "minute": 2}
